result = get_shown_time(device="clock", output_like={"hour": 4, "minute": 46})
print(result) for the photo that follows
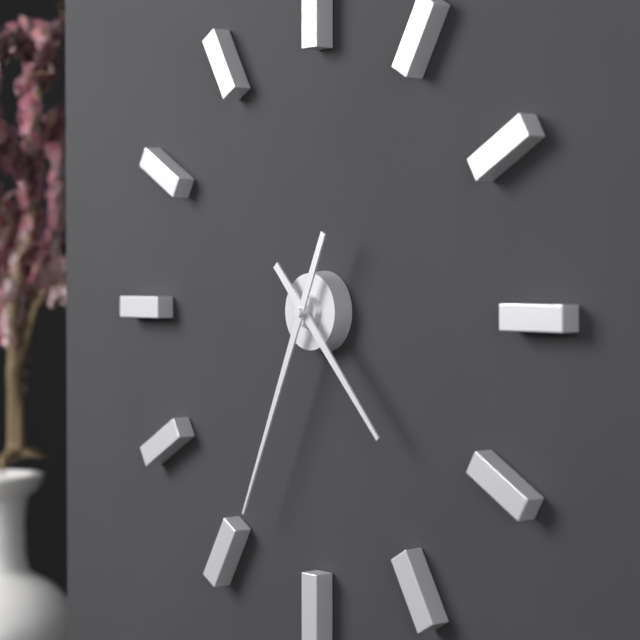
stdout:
{"hour": 4, "minute": 34}
